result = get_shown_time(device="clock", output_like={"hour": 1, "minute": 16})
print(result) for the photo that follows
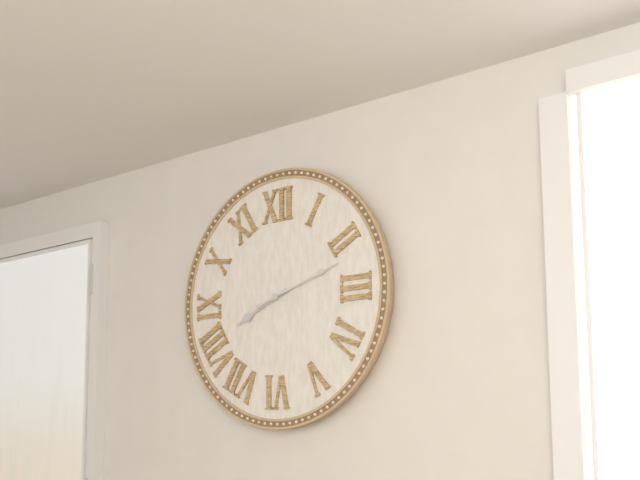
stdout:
{"hour": 8, "minute": 12}
